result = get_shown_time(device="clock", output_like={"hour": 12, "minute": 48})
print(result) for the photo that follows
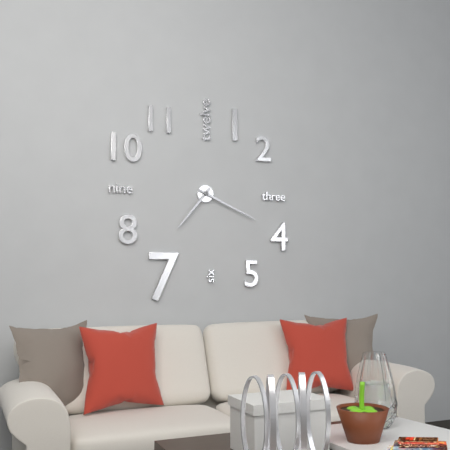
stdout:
{"hour": 7, "minute": 19}
